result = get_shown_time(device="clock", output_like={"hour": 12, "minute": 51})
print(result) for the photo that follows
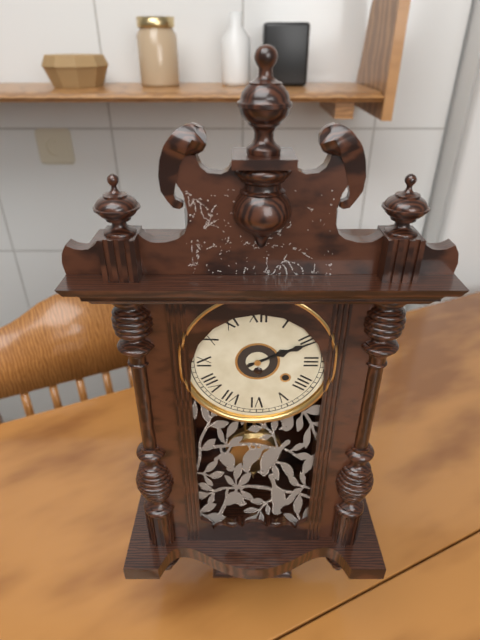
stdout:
{"hour": 2, "minute": 11}
